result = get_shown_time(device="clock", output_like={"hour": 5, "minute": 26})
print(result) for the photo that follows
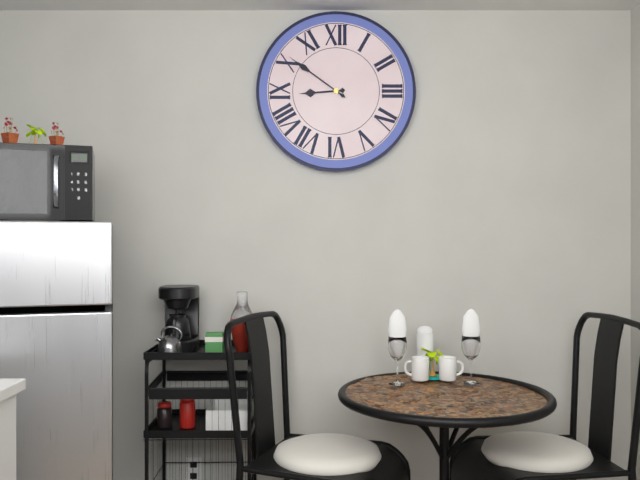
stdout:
{"hour": 8, "minute": 51}
